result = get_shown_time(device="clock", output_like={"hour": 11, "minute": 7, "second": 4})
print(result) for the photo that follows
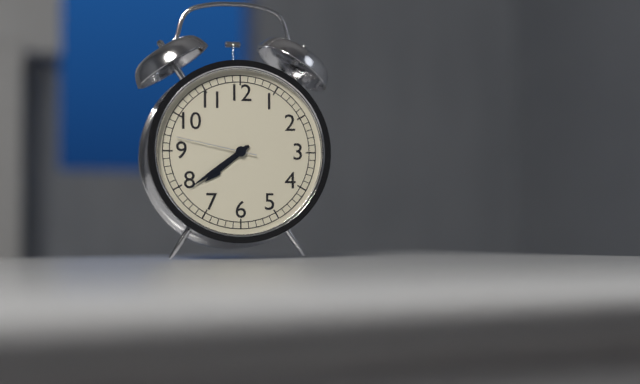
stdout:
{"hour": 7, "minute": 39, "second": 47}
